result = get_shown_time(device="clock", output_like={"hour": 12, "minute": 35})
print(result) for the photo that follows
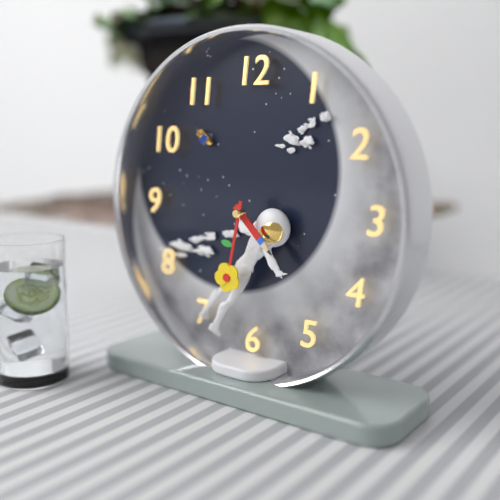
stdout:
{"hour": 4, "minute": 32}
